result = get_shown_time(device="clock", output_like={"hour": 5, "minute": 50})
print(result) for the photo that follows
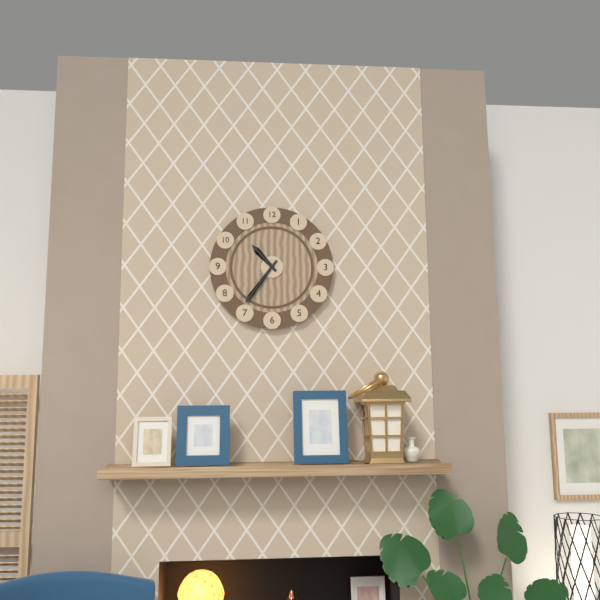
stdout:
{"hour": 10, "minute": 36}
